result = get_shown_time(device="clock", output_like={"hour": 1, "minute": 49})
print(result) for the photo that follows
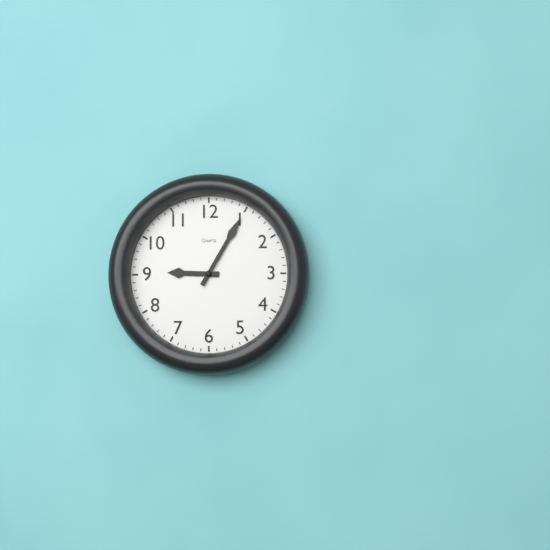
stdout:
{"hour": 9, "minute": 5}
